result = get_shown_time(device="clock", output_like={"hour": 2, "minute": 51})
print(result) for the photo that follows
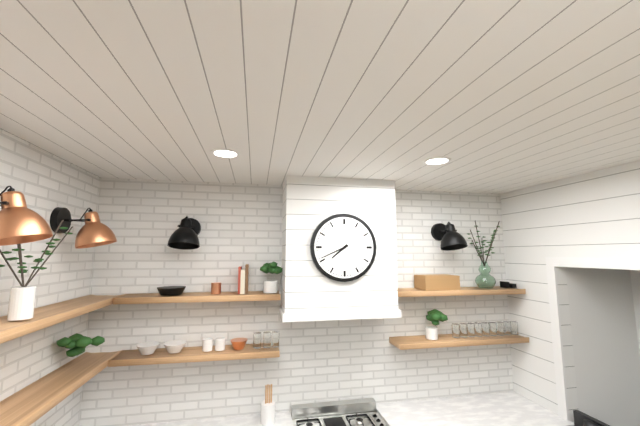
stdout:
{"hour": 7, "minute": 41}
